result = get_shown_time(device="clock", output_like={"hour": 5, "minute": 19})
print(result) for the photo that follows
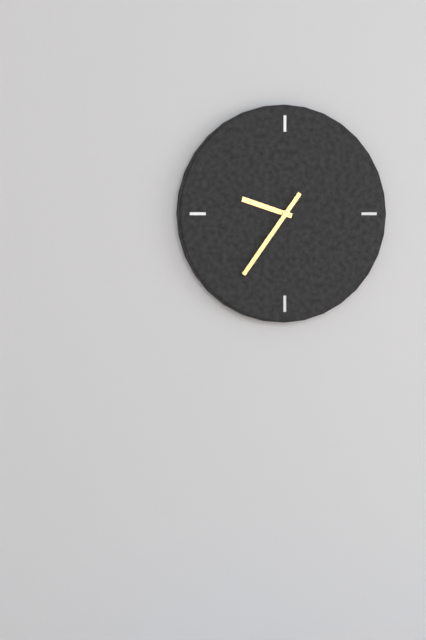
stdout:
{"hour": 9, "minute": 36}
